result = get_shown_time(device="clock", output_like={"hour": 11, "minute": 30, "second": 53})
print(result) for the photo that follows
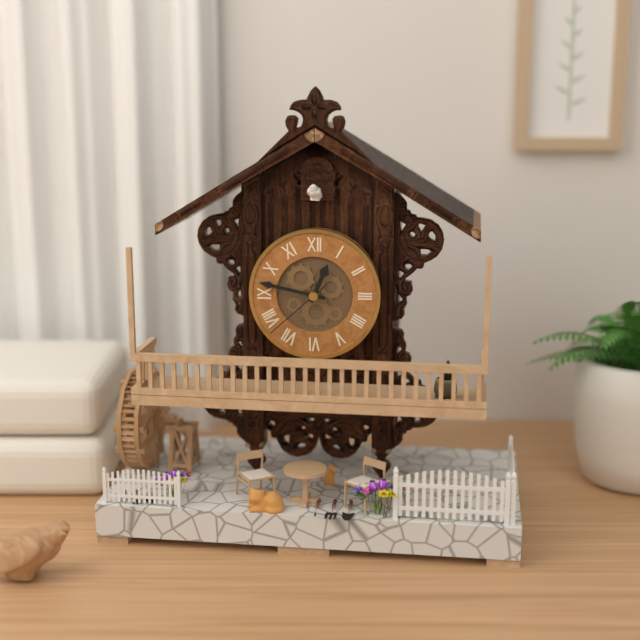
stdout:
{"hour": 12, "minute": 47, "second": 38}
